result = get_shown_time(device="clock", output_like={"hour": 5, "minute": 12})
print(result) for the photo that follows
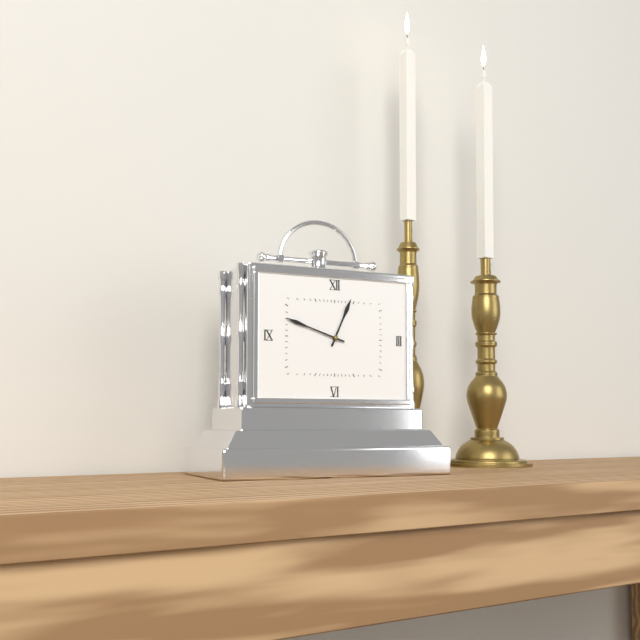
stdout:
{"hour": 12, "minute": 48}
